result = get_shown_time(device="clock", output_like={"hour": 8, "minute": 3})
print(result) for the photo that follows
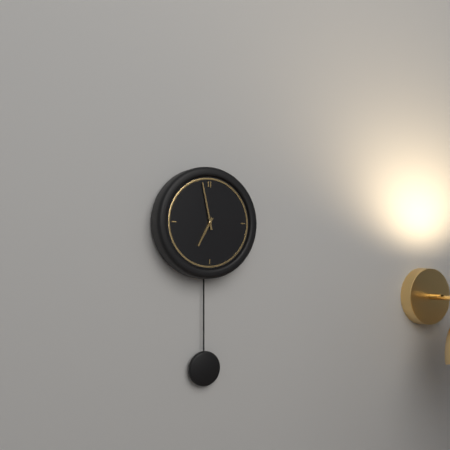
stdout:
{"hour": 6, "minute": 58}
